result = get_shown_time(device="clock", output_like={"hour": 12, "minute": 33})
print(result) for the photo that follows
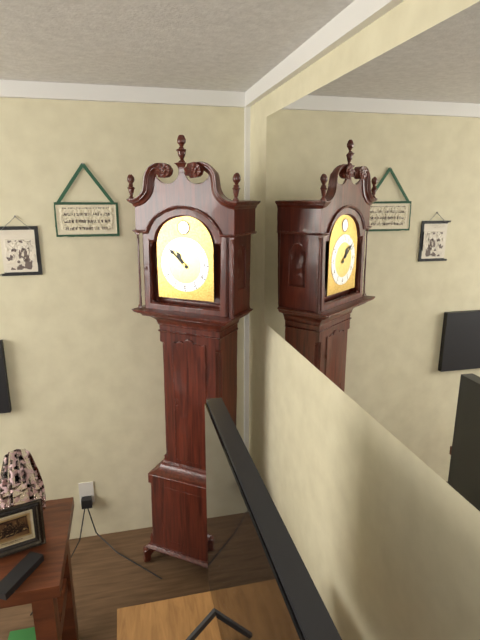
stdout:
{"hour": 10, "minute": 52}
